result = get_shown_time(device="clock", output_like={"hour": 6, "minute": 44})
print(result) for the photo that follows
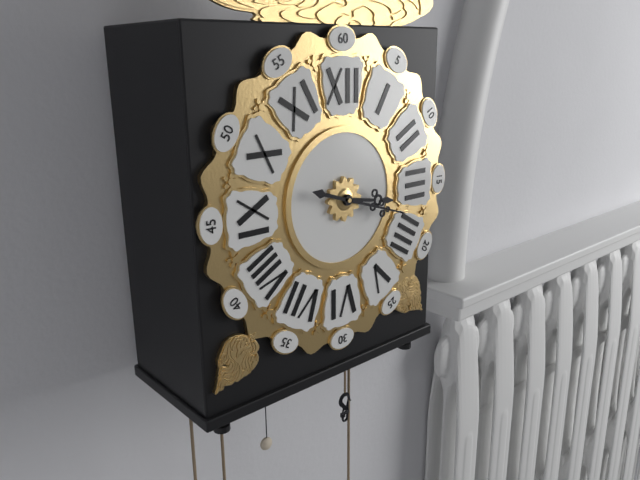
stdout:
{"hour": 3, "minute": 18}
